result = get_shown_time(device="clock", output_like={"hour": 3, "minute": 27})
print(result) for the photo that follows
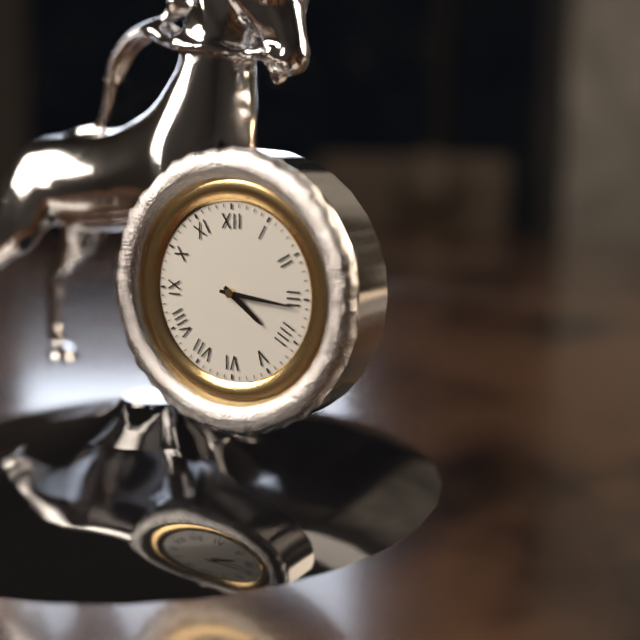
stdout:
{"hour": 4, "minute": 16}
